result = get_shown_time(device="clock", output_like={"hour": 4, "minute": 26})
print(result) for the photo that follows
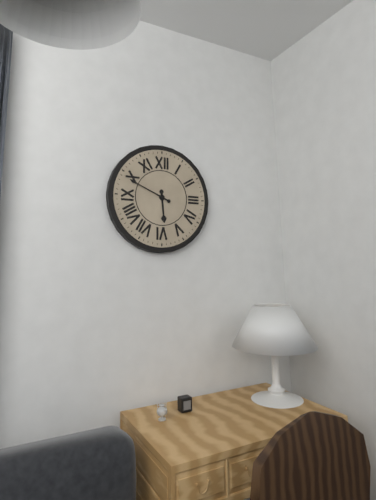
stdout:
{"hour": 5, "minute": 49}
